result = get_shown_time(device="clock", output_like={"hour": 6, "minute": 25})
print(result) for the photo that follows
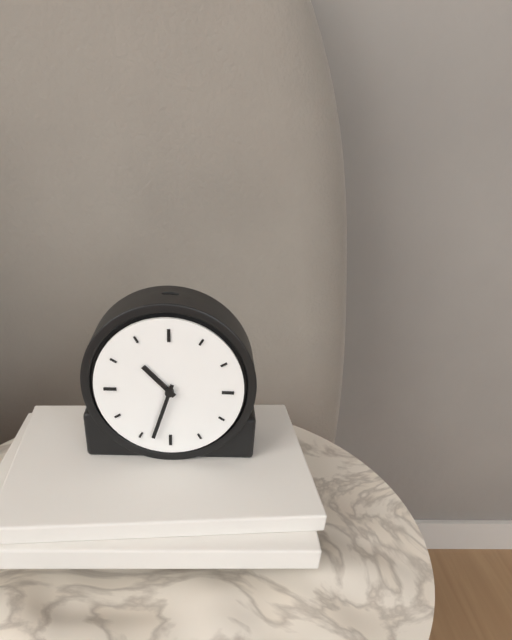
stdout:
{"hour": 10, "minute": 33}
